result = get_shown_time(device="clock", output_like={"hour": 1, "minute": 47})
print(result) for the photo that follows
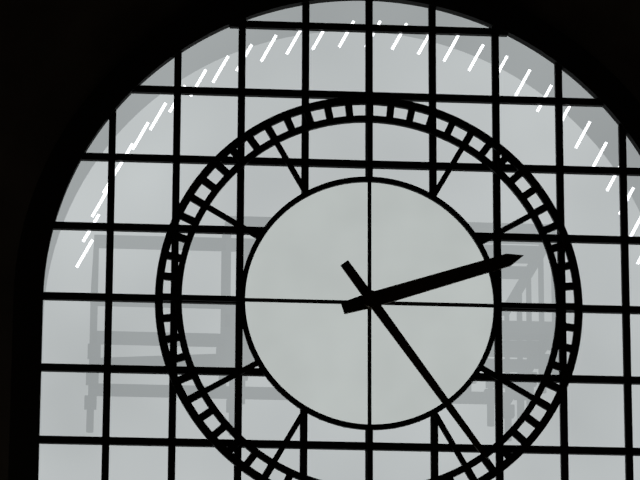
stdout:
{"hour": 2, "minute": 24}
